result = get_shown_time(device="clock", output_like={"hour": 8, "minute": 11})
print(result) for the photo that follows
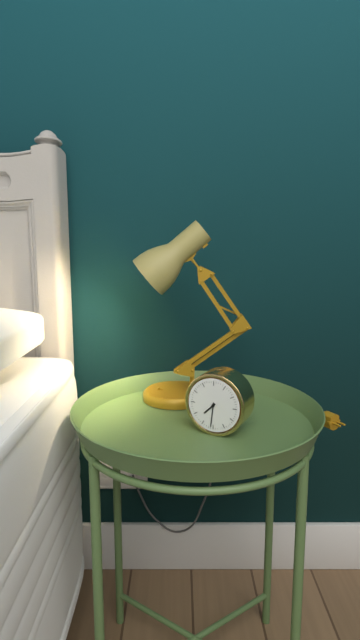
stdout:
{"hour": 7, "minute": 31}
